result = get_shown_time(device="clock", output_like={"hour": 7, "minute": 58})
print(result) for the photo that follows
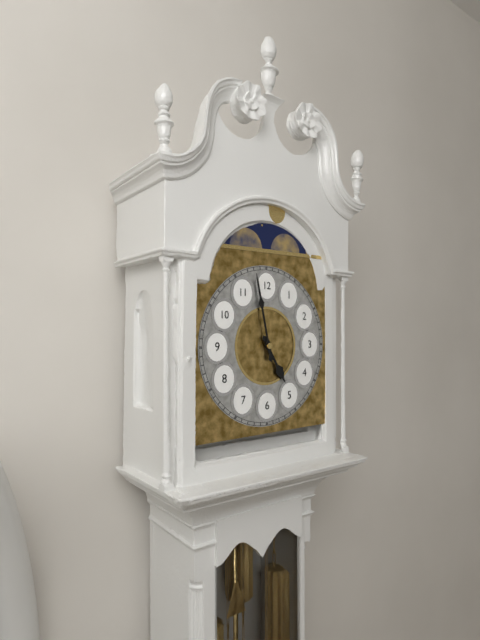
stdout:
{"hour": 4, "minute": 58}
